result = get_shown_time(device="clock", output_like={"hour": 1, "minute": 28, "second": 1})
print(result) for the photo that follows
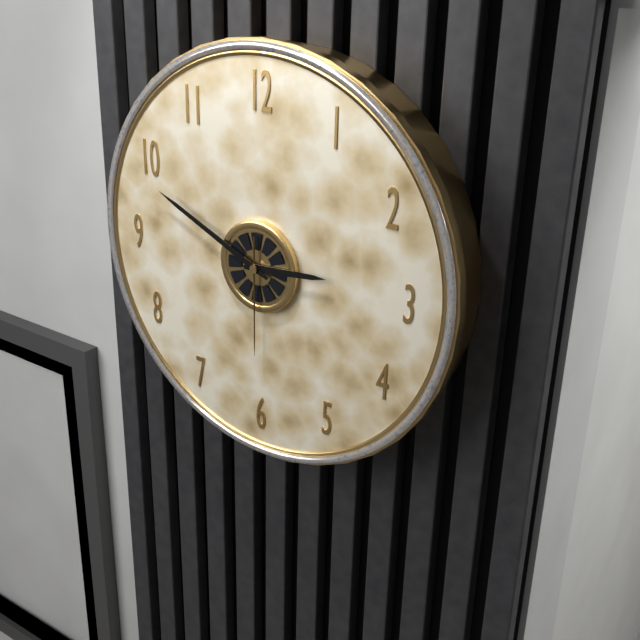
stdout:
{"hour": 2, "minute": 49, "second": 30}
